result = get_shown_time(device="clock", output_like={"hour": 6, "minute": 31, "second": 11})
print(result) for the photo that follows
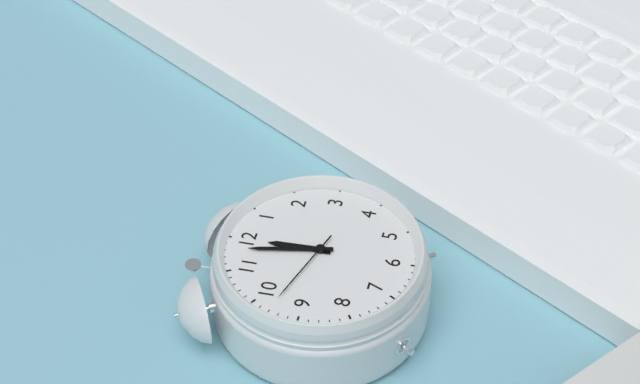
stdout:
{"hour": 11, "minute": 58, "second": 48}
